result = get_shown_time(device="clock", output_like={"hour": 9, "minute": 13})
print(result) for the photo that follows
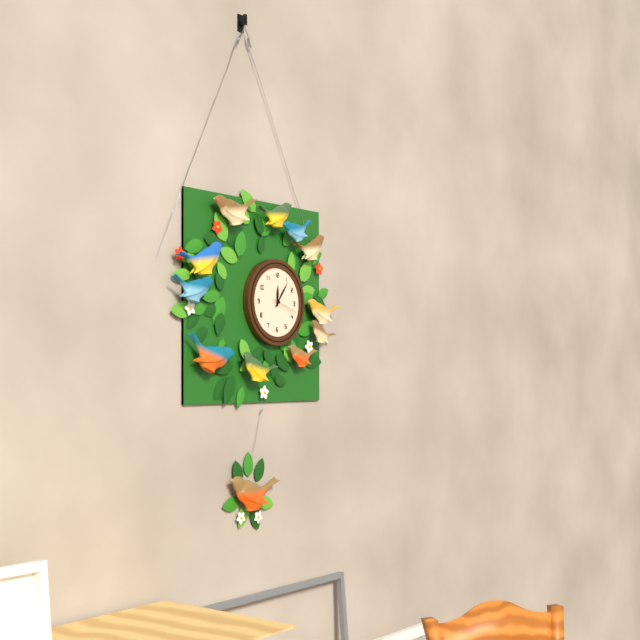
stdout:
{"hour": 12, "minute": 6}
